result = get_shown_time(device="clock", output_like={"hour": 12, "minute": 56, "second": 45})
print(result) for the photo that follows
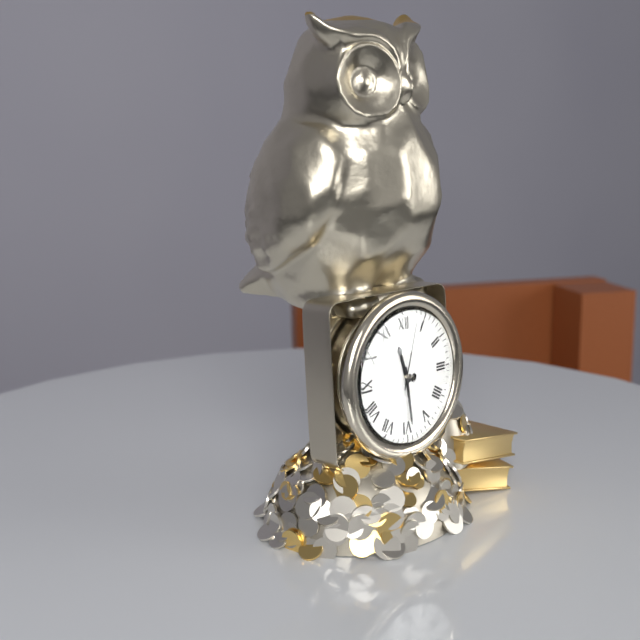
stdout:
{"hour": 11, "minute": 29, "second": 3}
